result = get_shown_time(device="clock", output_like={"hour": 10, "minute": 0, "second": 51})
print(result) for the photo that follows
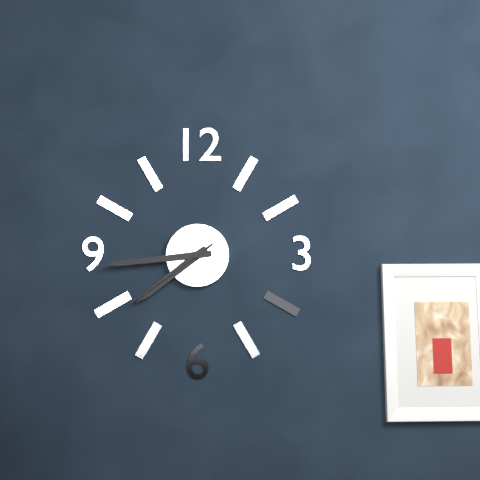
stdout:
{"hour": 7, "minute": 44, "second": 39}
